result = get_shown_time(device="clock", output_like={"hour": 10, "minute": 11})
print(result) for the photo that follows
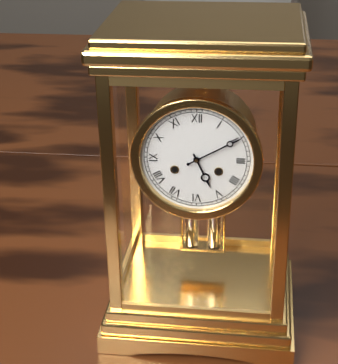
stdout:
{"hour": 5, "minute": 10}
